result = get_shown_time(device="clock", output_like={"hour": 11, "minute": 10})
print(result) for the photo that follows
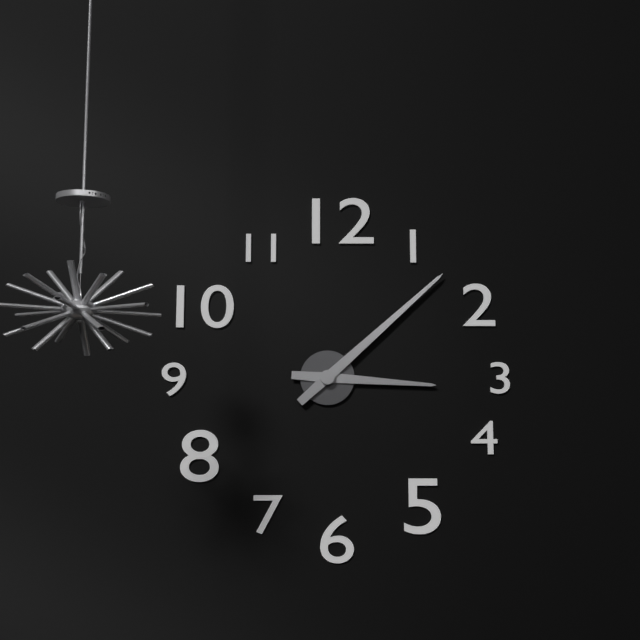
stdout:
{"hour": 3, "minute": 8}
